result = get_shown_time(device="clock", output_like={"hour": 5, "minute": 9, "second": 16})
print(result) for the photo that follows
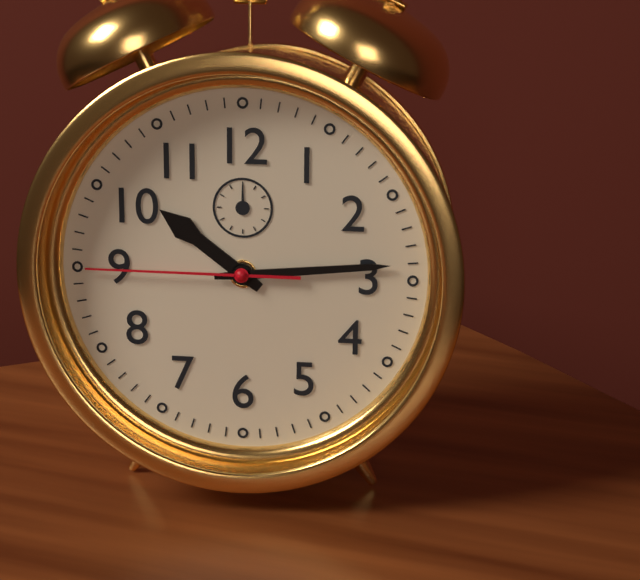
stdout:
{"hour": 10, "minute": 14, "second": 45}
